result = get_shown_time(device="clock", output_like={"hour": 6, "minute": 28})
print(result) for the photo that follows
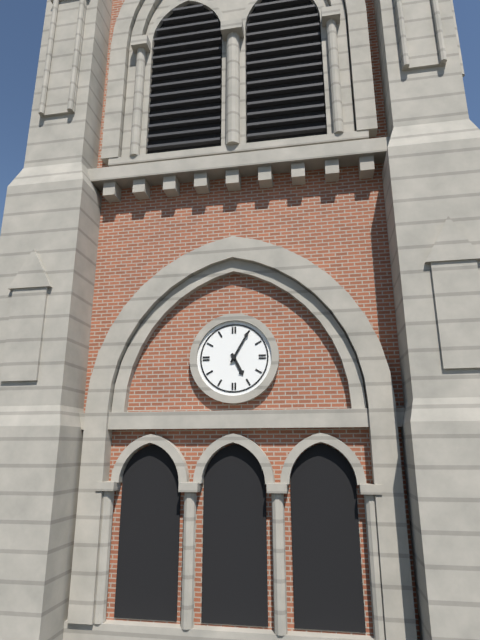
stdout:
{"hour": 5, "minute": 5}
